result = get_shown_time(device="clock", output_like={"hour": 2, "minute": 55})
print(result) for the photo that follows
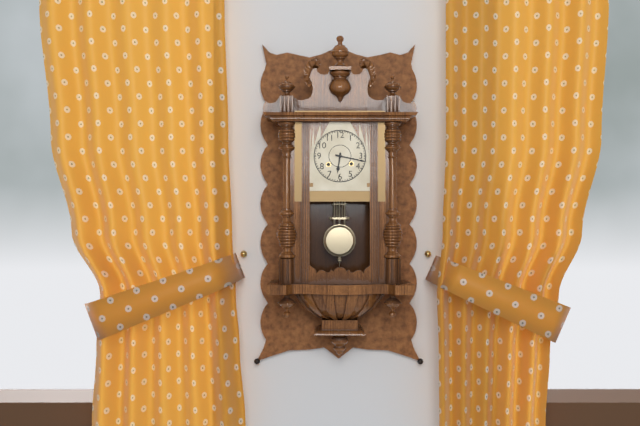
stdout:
{"hour": 6, "minute": 17}
